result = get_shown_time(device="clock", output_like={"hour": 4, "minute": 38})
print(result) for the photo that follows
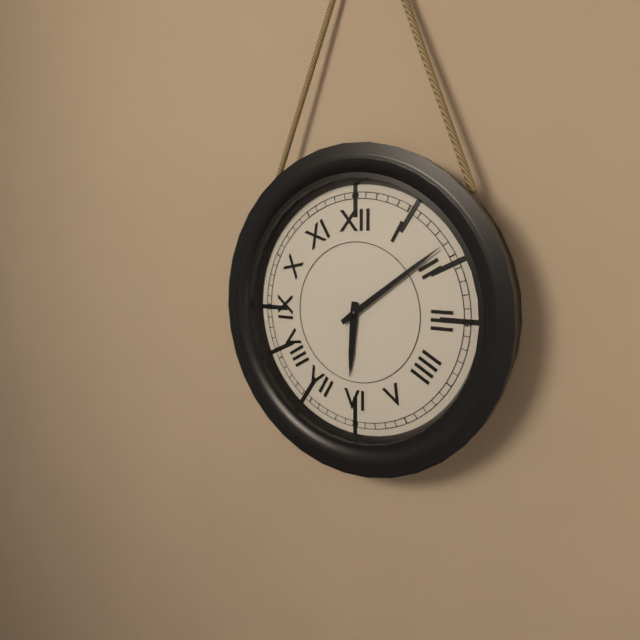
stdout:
{"hour": 6, "minute": 9}
